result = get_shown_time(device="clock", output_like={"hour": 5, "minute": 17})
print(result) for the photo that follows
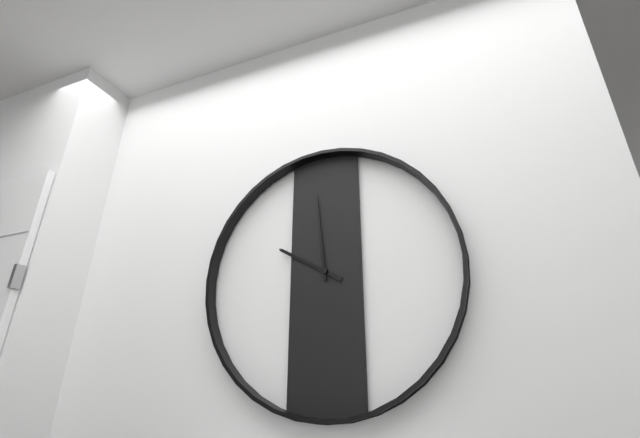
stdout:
{"hour": 9, "minute": 59}
